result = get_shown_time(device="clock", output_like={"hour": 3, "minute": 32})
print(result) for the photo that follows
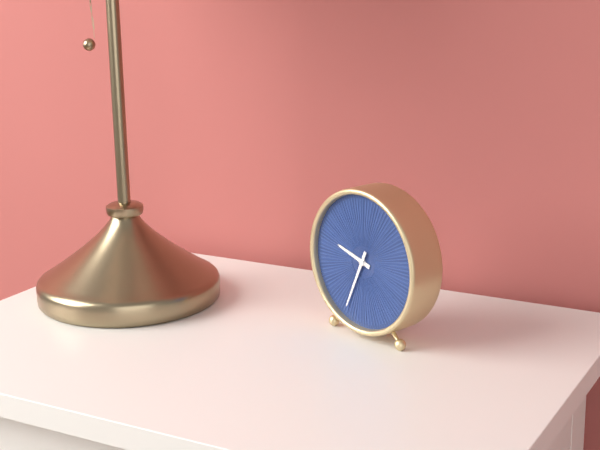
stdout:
{"hour": 9, "minute": 34}
